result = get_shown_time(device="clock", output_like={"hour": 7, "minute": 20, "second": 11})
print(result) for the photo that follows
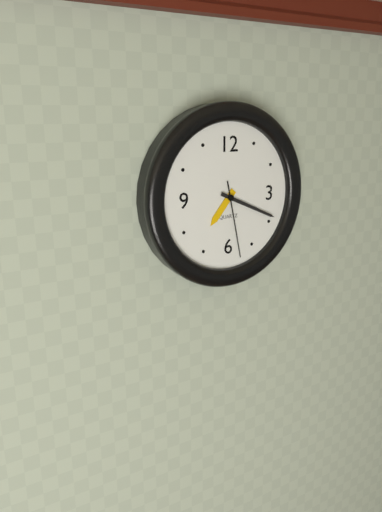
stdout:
{"hour": 7, "minute": 19, "second": 28}
